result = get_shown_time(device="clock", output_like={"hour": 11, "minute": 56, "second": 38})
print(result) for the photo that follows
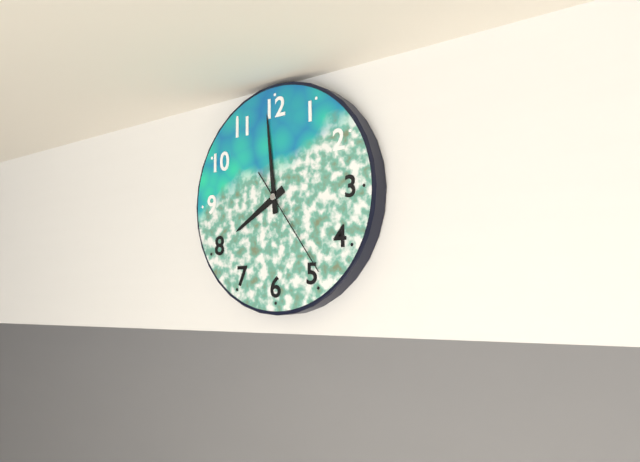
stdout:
{"hour": 7, "minute": 59, "second": 24}
